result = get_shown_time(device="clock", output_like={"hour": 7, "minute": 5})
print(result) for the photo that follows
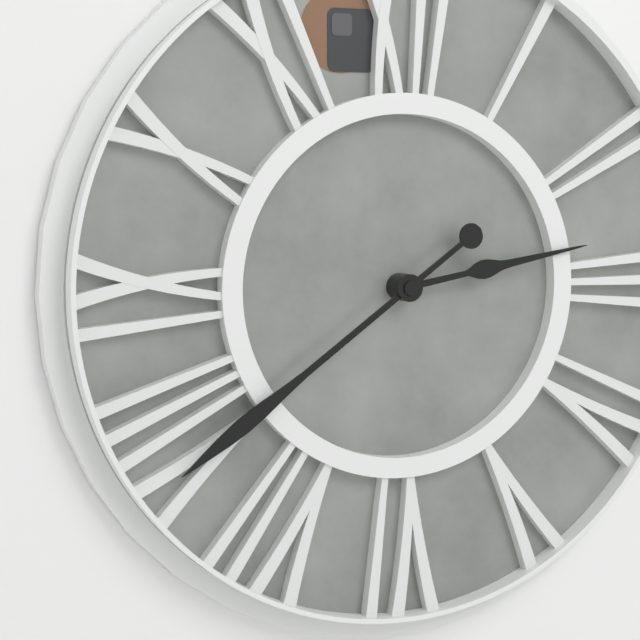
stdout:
{"hour": 2, "minute": 39}
